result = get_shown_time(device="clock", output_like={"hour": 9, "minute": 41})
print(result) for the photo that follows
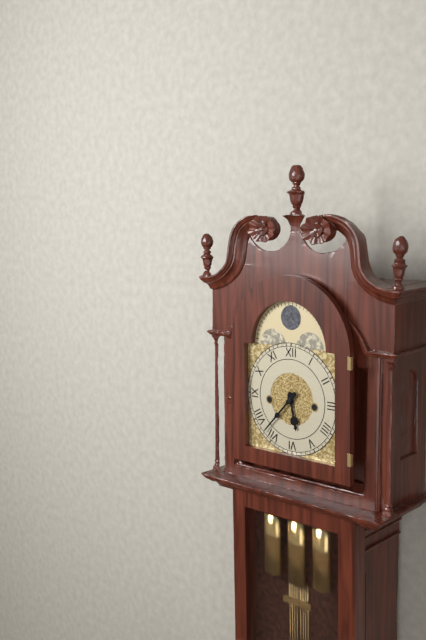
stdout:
{"hour": 5, "minute": 37}
